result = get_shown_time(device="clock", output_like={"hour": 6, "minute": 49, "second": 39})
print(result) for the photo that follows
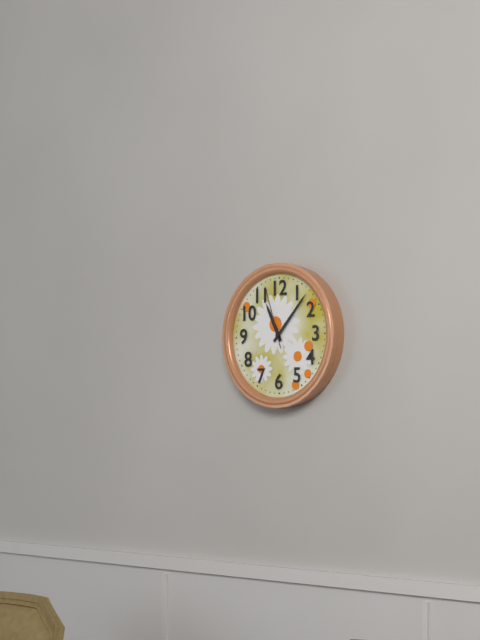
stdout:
{"hour": 11, "minute": 7, "second": 57}
